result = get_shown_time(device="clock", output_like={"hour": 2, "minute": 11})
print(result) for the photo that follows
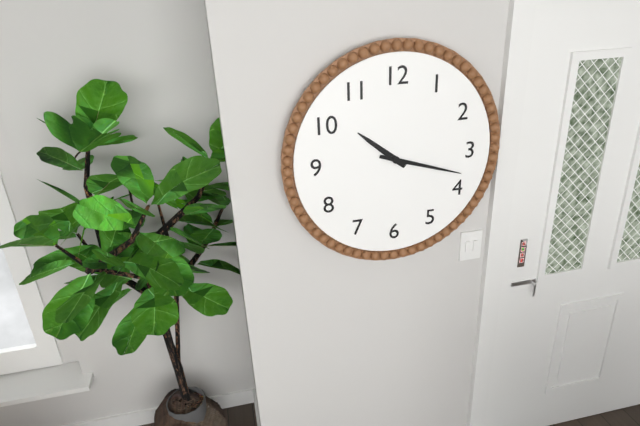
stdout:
{"hour": 10, "minute": 18}
